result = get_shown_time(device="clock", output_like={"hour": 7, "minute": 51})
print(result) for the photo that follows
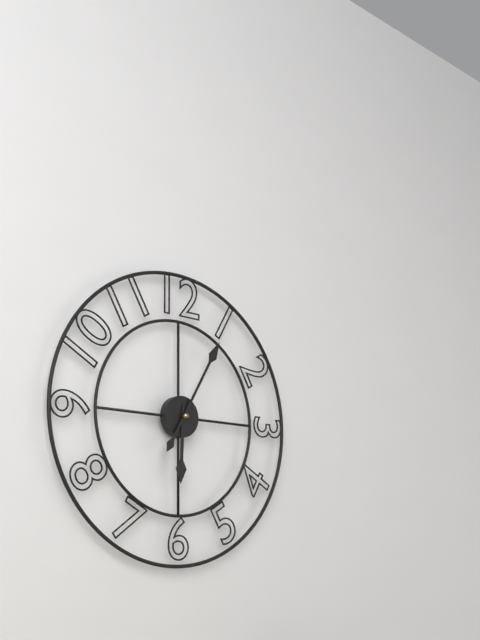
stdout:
{"hour": 6, "minute": 5}
